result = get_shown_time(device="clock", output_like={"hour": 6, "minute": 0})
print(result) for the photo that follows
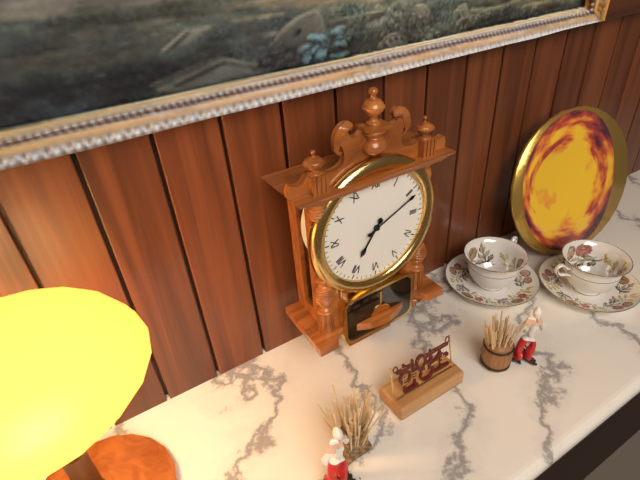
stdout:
{"hour": 7, "minute": 11}
